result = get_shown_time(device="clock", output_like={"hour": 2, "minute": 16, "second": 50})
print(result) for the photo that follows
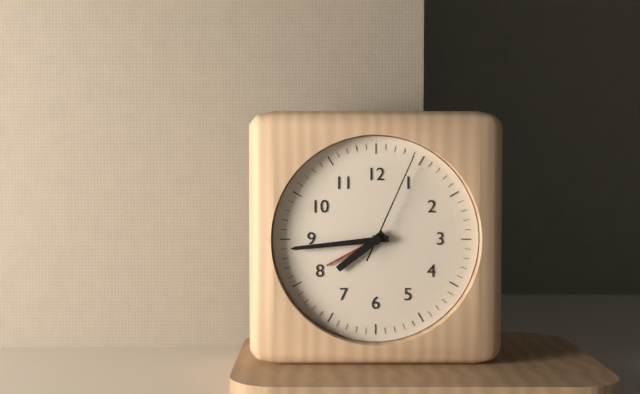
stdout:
{"hour": 7, "minute": 44, "second": 4}
